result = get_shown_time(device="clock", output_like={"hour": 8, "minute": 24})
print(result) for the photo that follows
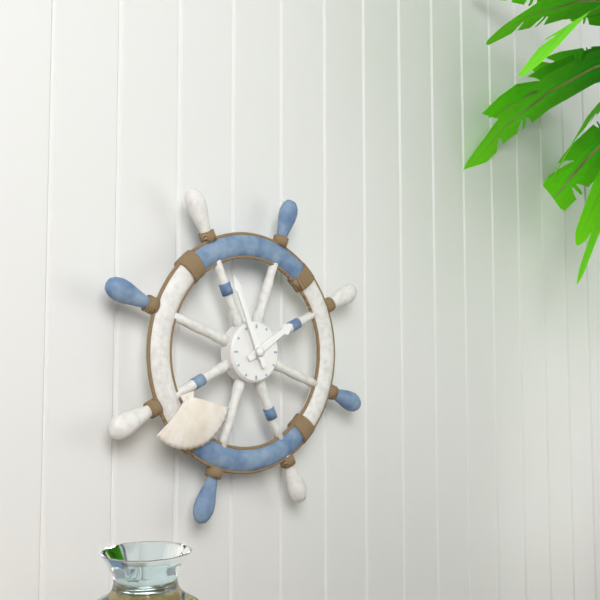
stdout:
{"hour": 1, "minute": 56}
